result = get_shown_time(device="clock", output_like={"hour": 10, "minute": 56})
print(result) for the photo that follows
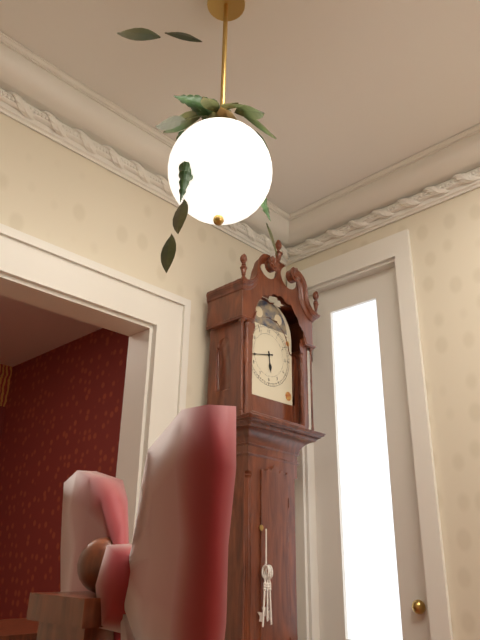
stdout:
{"hour": 5, "minute": 43}
